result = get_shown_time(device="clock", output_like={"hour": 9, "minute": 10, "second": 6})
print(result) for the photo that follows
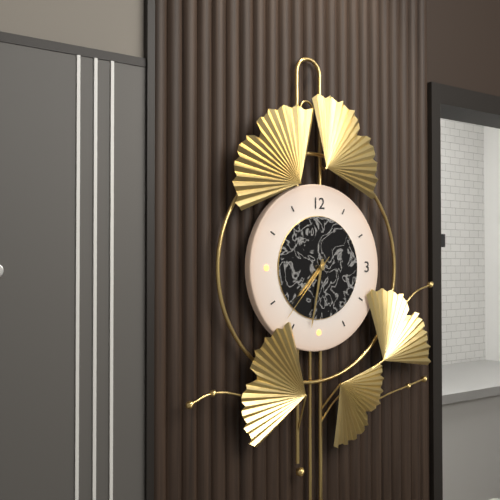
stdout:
{"hour": 7, "minute": 32, "second": 37}
